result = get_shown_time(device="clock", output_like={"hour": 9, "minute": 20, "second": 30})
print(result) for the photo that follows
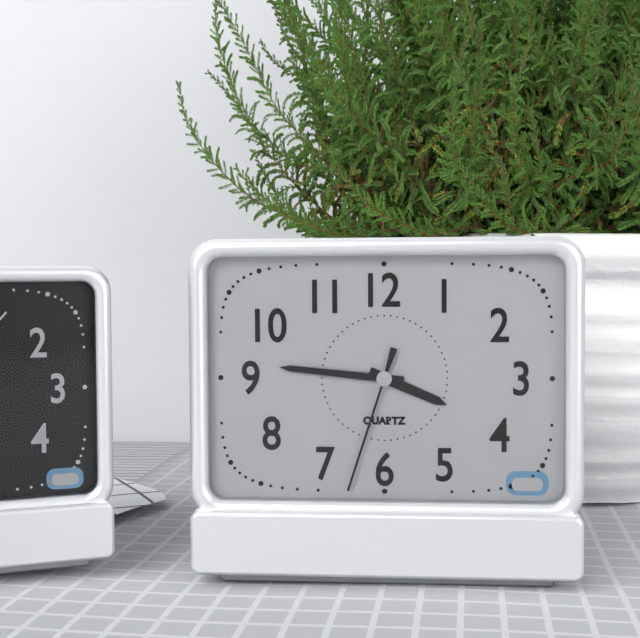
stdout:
{"hour": 3, "minute": 46, "second": 33}
